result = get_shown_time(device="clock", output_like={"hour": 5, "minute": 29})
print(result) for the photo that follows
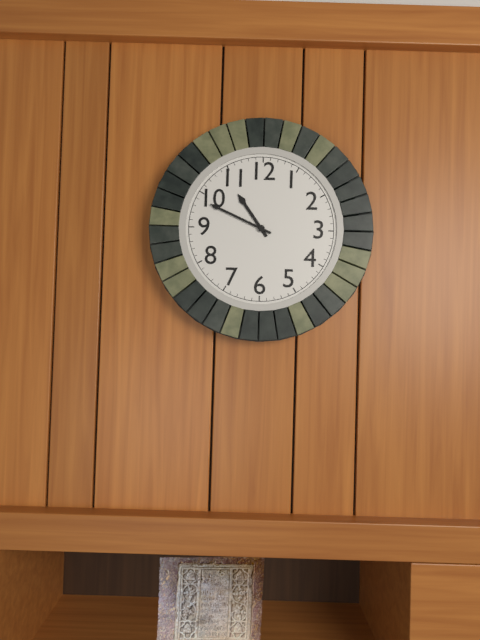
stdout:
{"hour": 10, "minute": 49}
